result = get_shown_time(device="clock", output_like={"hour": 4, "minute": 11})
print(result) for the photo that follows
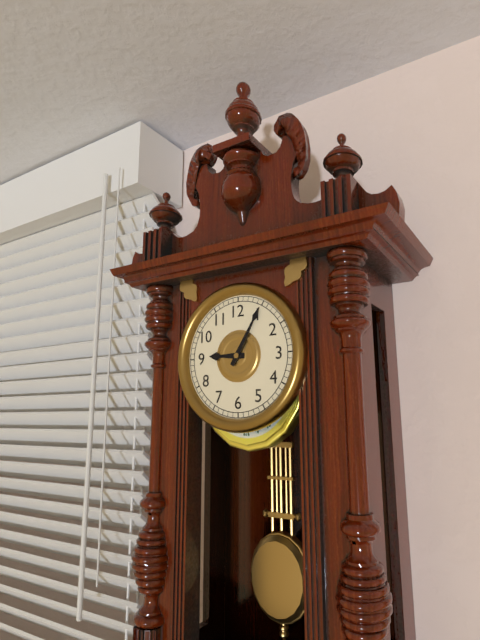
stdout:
{"hour": 9, "minute": 5}
